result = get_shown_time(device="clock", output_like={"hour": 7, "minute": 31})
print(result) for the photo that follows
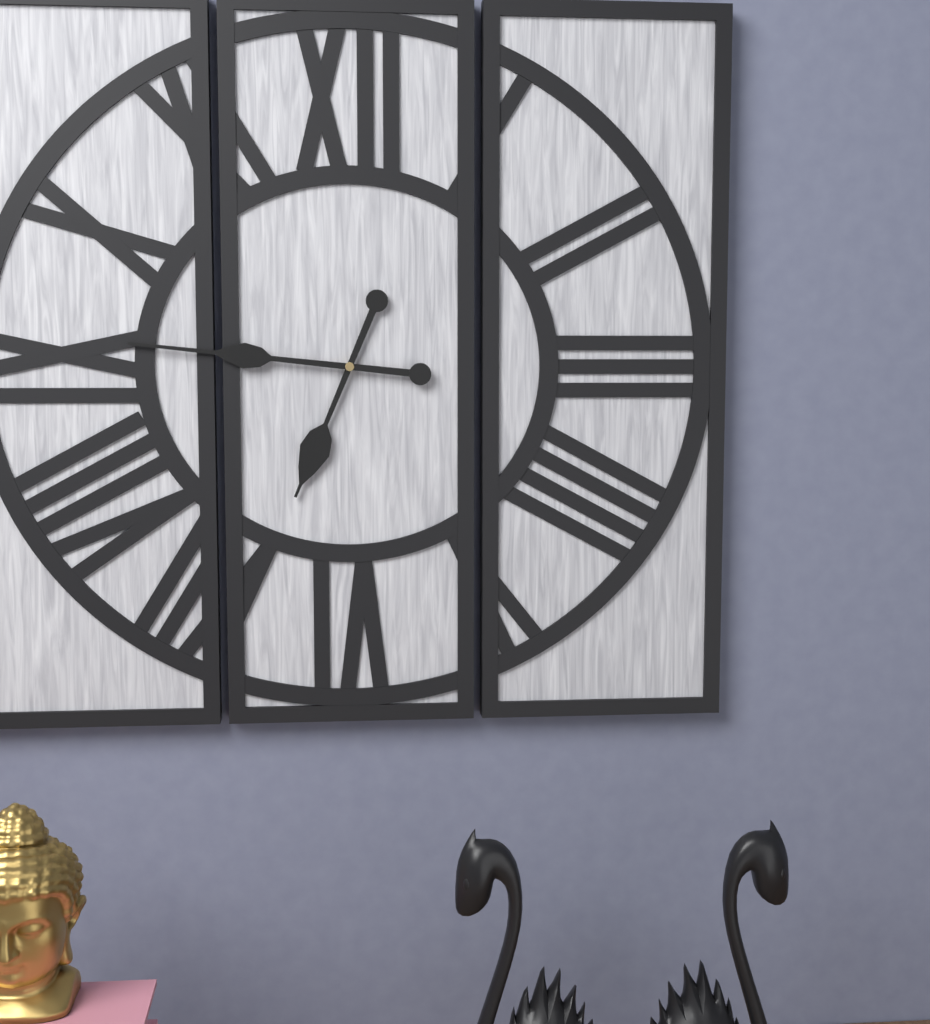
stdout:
{"hour": 6, "minute": 46}
